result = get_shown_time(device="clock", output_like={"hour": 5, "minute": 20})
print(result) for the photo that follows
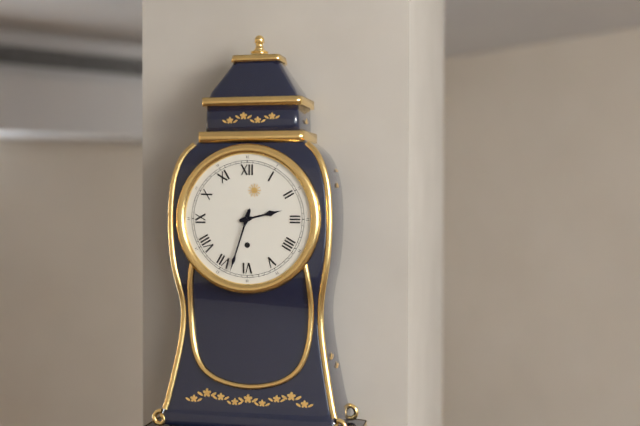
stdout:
{"hour": 2, "minute": 33}
